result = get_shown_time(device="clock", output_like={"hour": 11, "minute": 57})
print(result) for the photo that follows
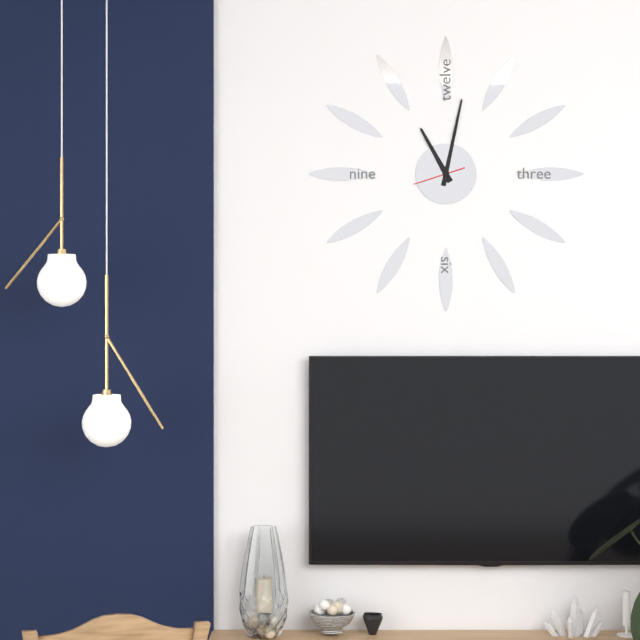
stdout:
{"hour": 11, "minute": 2}
